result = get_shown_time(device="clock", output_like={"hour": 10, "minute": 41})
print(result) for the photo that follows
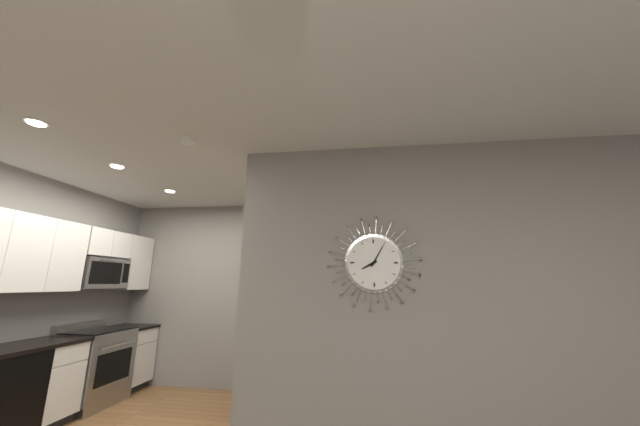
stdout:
{"hour": 8, "minute": 5}
